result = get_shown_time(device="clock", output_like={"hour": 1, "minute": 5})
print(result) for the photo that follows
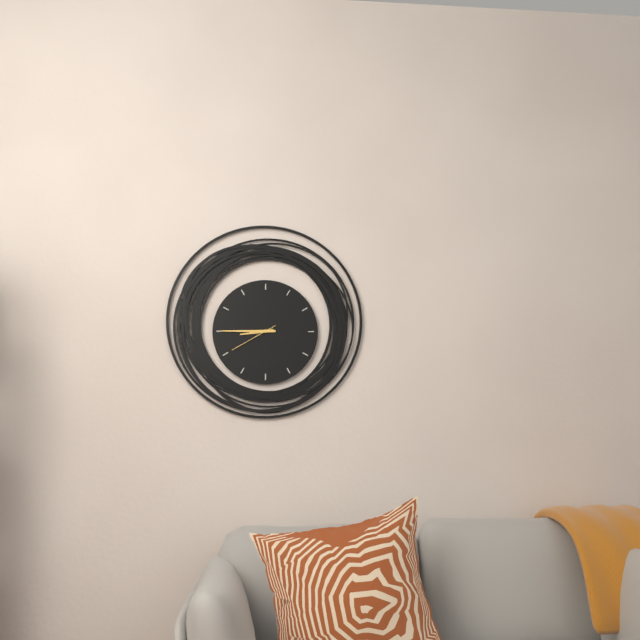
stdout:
{"hour": 8, "minute": 45}
